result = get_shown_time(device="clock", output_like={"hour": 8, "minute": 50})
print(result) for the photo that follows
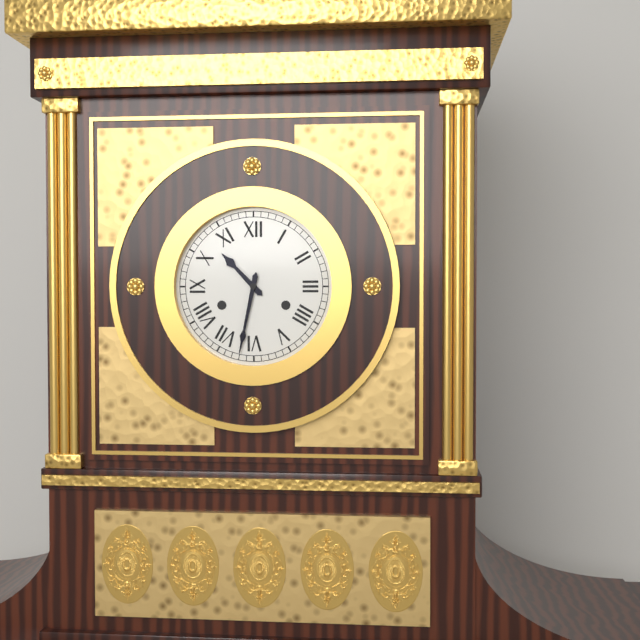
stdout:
{"hour": 10, "minute": 32}
